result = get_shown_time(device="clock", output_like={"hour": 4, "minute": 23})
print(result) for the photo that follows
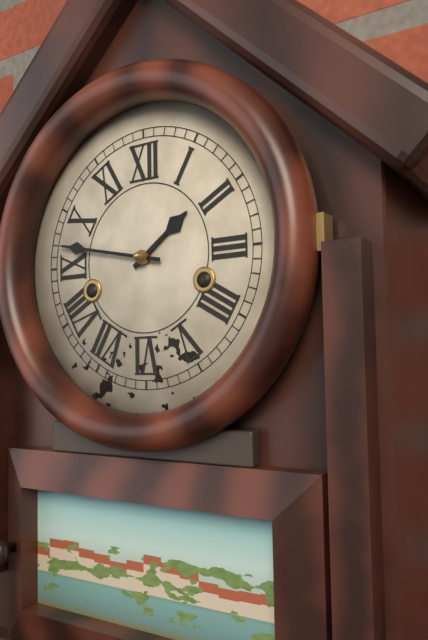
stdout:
{"hour": 1, "minute": 47}
